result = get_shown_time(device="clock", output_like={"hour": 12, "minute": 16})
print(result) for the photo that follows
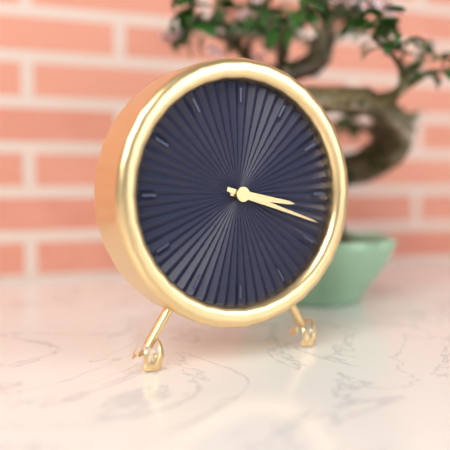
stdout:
{"hour": 3, "minute": 18}
